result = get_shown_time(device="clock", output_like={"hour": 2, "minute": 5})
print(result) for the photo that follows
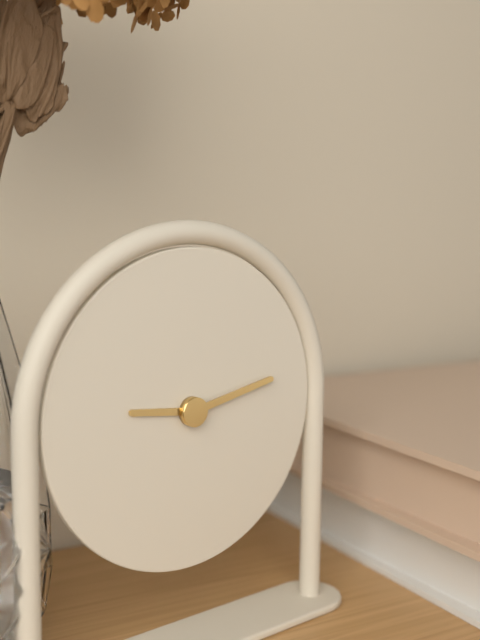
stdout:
{"hour": 9, "minute": 13}
